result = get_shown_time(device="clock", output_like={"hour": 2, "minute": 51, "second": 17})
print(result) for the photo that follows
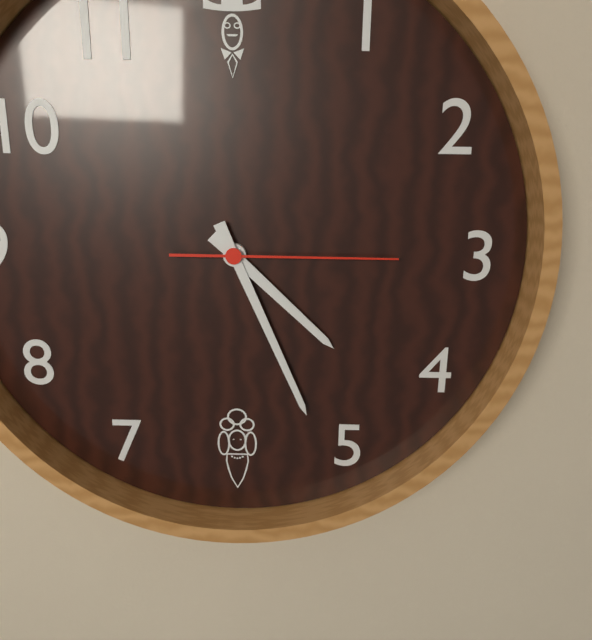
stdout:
{"hour": 4, "minute": 26, "second": 15}
